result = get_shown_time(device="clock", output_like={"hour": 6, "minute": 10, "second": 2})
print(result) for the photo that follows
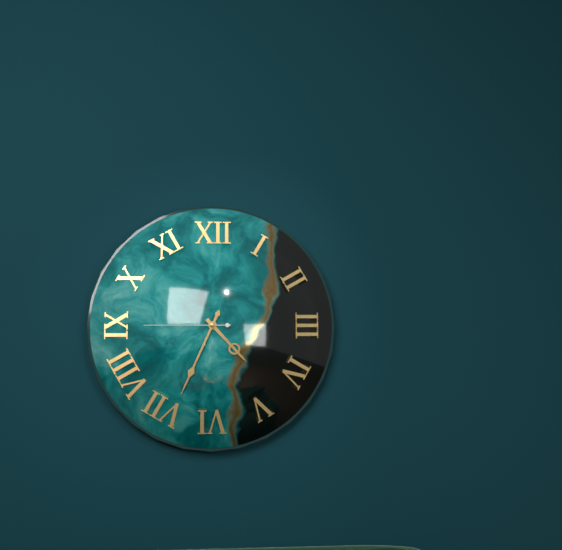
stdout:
{"hour": 4, "minute": 34, "second": 45}
